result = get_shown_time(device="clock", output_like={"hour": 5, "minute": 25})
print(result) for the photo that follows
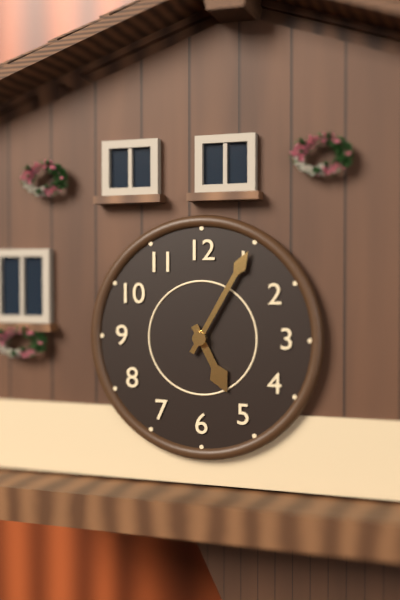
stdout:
{"hour": 5, "minute": 5}
